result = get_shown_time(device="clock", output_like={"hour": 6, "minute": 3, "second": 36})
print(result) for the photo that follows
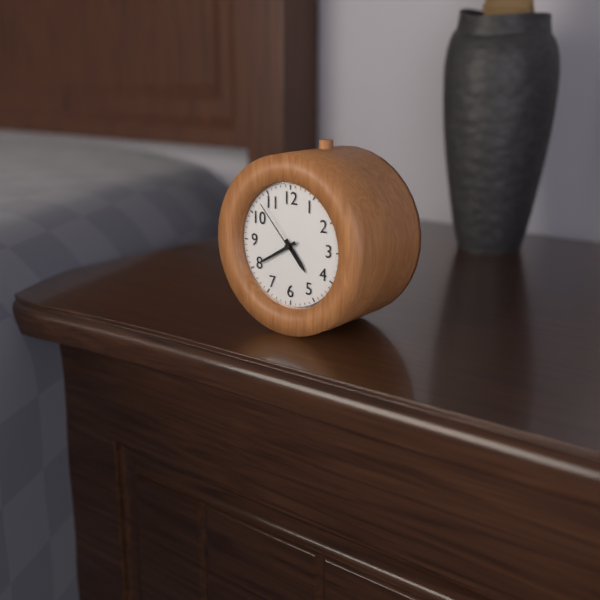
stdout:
{"hour": 4, "minute": 40, "second": 53}
